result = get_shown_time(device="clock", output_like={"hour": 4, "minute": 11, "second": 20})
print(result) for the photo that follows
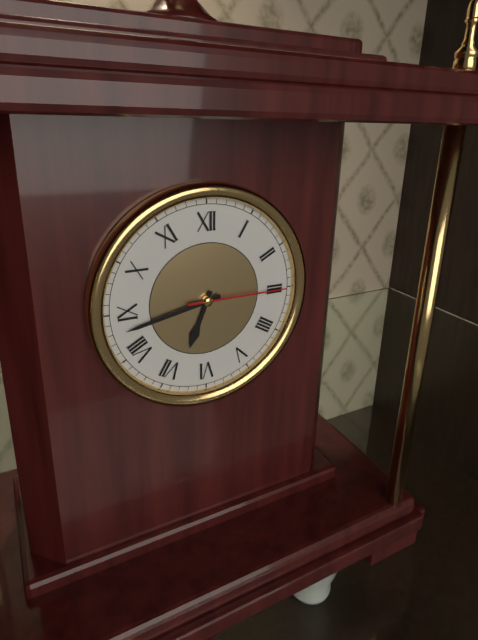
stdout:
{"hour": 6, "minute": 43, "second": 15}
